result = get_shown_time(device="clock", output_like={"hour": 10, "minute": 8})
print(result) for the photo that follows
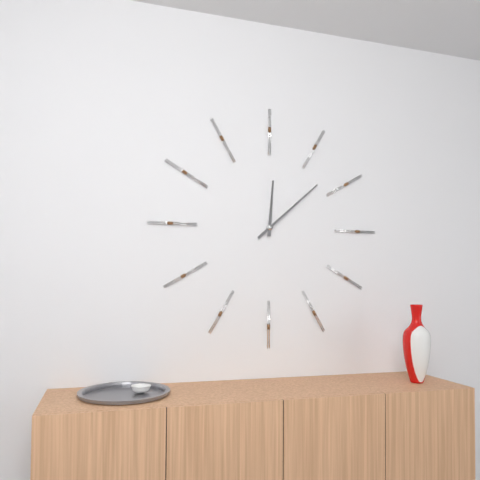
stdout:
{"hour": 12, "minute": 8}
